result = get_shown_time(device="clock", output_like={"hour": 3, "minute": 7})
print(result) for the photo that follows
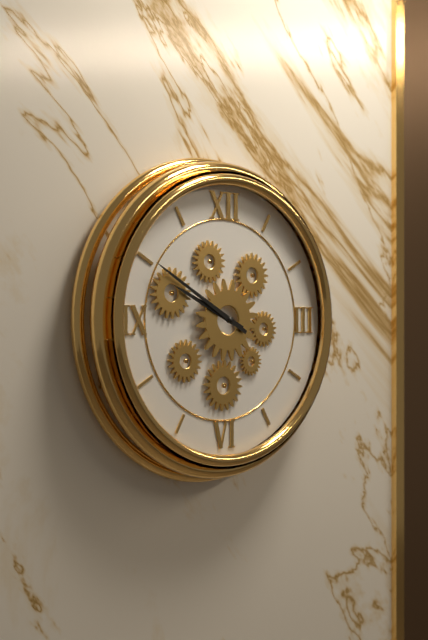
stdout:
{"hour": 9, "minute": 50}
